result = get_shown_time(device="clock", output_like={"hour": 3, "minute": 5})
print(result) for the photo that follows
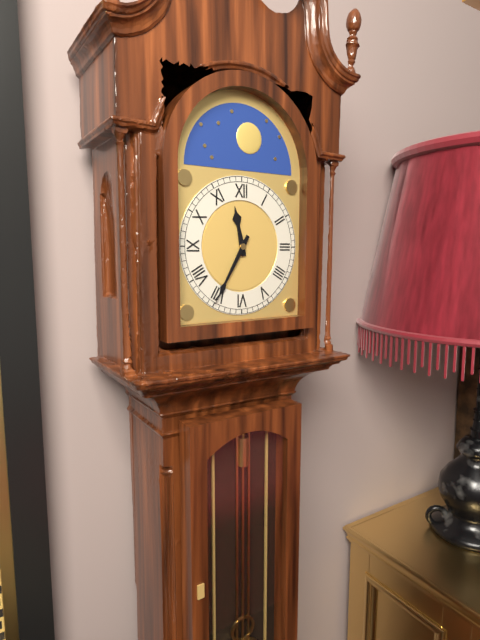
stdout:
{"hour": 11, "minute": 35}
